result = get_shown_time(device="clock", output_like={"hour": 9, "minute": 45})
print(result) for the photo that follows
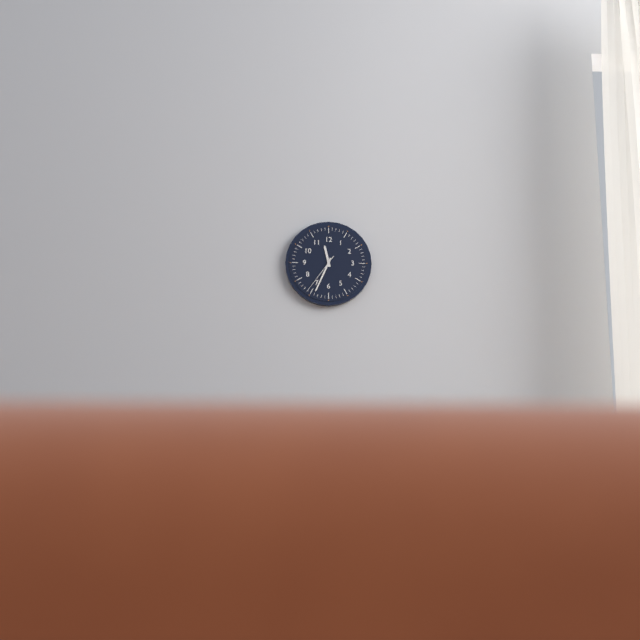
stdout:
{"hour": 11, "minute": 34}
